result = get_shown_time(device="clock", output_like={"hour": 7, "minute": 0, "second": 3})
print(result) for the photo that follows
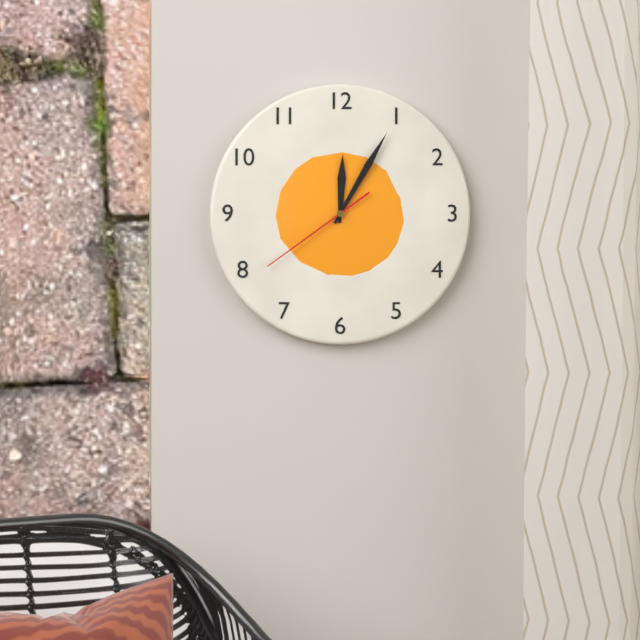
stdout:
{"hour": 12, "minute": 5, "second": 39}
